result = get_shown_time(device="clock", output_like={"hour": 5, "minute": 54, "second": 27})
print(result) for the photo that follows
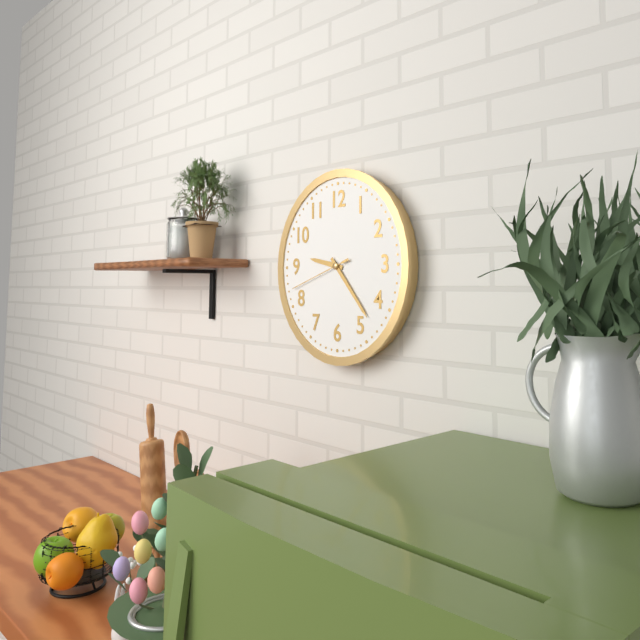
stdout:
{"hour": 9, "minute": 23, "second": 42}
